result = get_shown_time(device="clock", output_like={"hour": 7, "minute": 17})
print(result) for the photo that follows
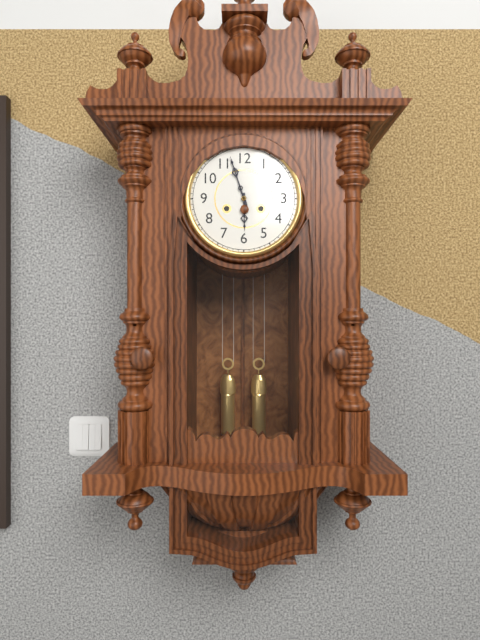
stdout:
{"hour": 5, "minute": 57}
